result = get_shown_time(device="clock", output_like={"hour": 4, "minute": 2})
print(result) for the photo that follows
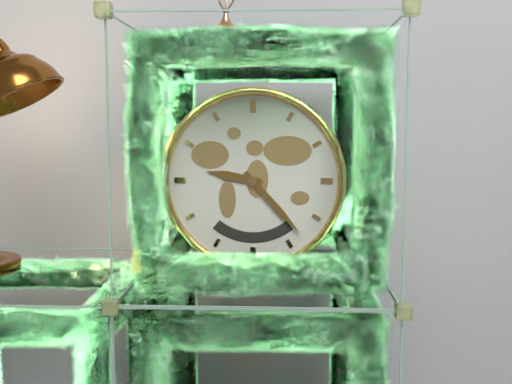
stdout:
{"hour": 9, "minute": 23}
